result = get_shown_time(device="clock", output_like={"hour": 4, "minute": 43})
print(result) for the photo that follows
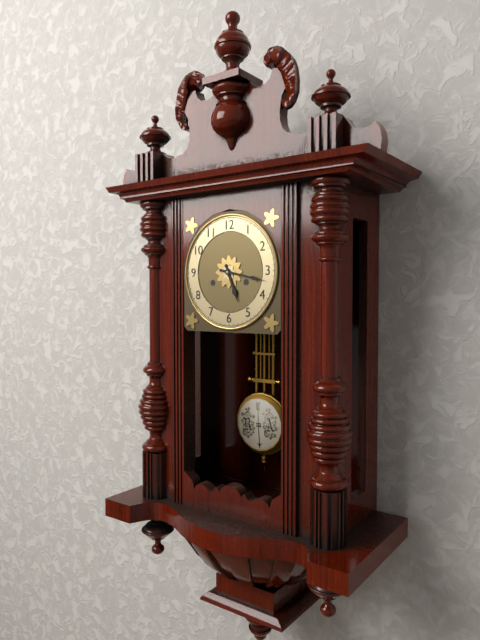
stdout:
{"hour": 5, "minute": 17}
